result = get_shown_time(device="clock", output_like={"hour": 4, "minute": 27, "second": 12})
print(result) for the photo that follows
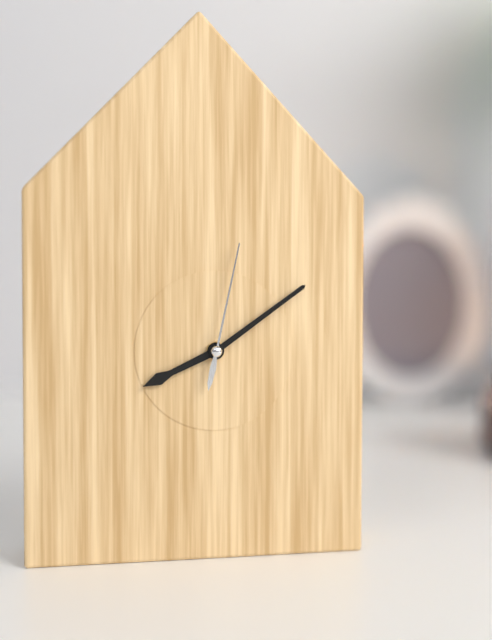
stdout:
{"hour": 8, "minute": 9, "second": 2}
